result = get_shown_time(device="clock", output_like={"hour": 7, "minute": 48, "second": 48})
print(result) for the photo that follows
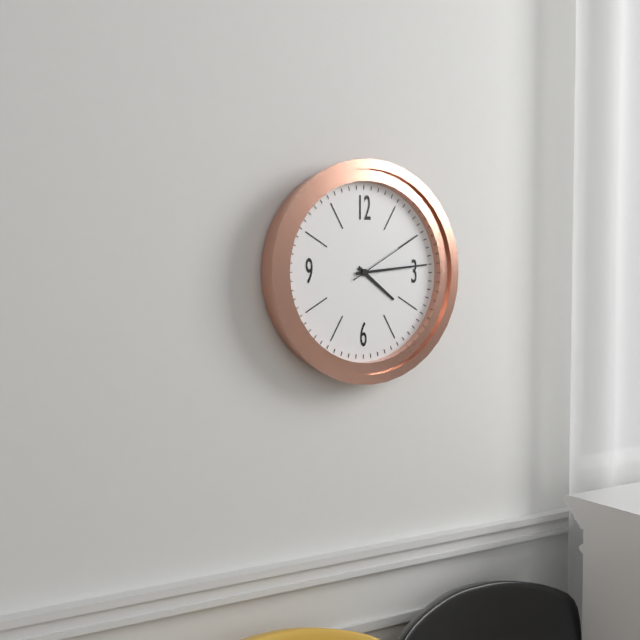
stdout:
{"hour": 4, "minute": 14, "second": 10}
